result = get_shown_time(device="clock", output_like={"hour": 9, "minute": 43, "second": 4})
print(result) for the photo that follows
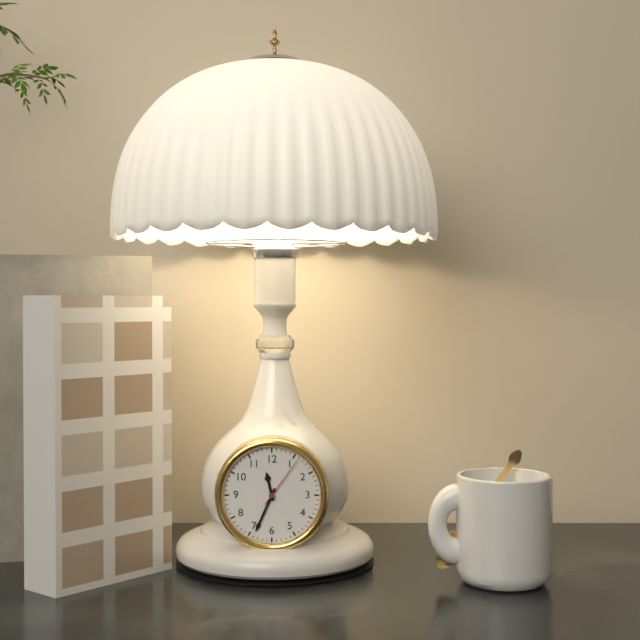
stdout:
{"hour": 11, "minute": 34, "second": 6}
